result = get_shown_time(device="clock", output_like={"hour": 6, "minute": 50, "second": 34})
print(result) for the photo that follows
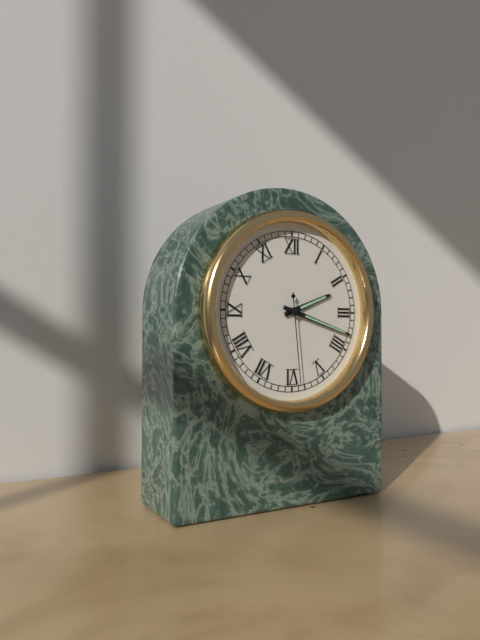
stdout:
{"hour": 2, "minute": 18, "second": 29}
